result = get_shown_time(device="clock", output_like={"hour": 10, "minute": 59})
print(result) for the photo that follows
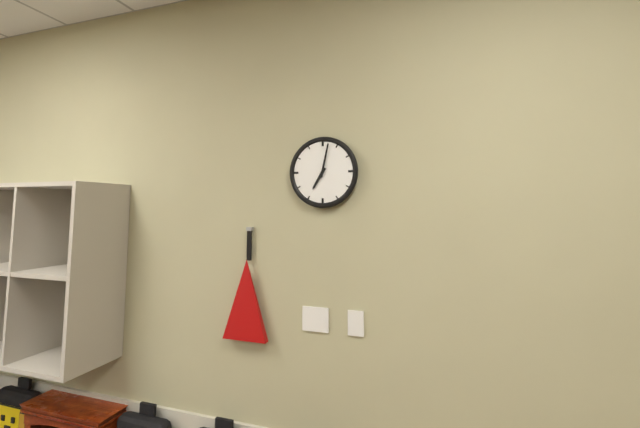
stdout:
{"hour": 7, "minute": 2}
